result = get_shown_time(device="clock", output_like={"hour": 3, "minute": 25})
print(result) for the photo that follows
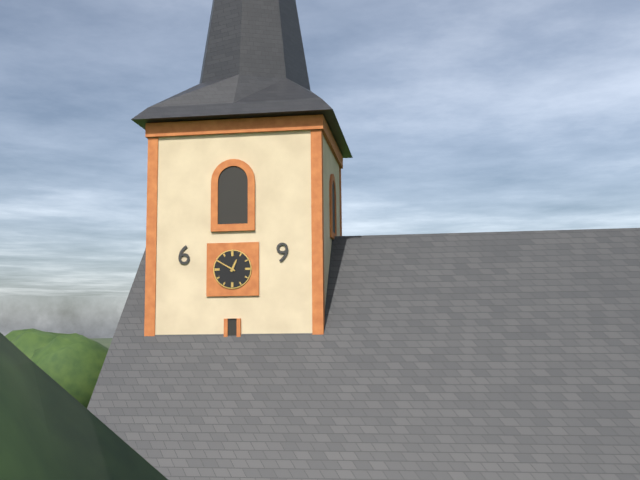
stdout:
{"hour": 12, "minute": 50}
